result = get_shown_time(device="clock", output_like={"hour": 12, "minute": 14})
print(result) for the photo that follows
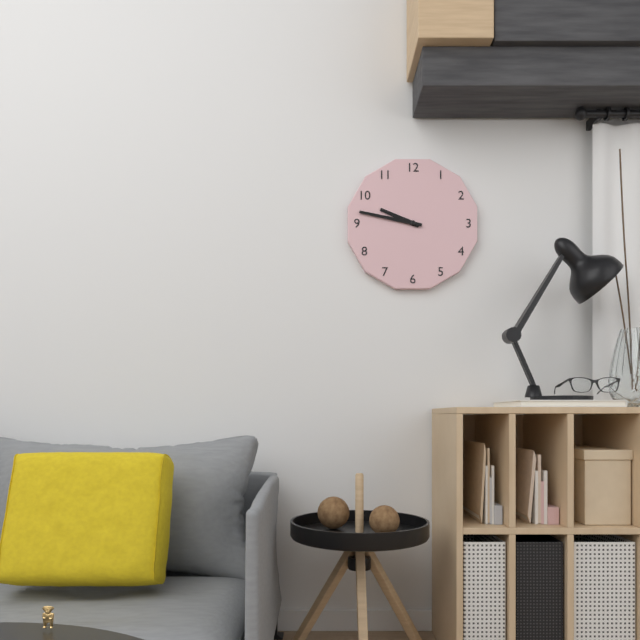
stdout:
{"hour": 9, "minute": 47}
